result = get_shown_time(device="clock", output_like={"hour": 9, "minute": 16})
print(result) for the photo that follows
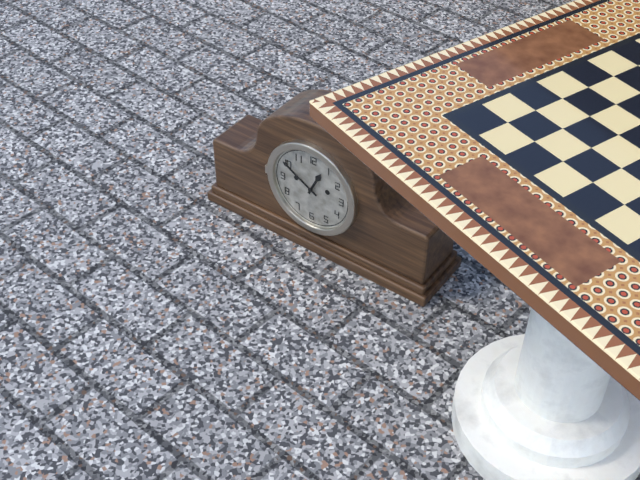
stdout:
{"hour": 12, "minute": 50}
